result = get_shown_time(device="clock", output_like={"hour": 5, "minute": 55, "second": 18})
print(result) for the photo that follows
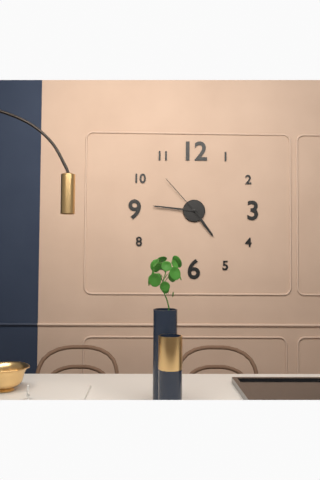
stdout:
{"hour": 4, "minute": 46, "second": 53}
